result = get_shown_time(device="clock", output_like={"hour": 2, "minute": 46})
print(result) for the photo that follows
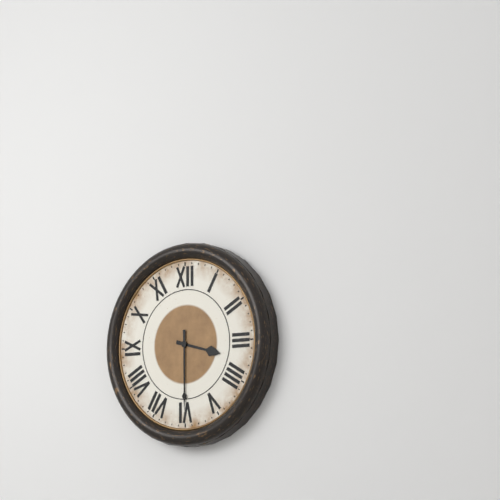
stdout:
{"hour": 3, "minute": 30}
